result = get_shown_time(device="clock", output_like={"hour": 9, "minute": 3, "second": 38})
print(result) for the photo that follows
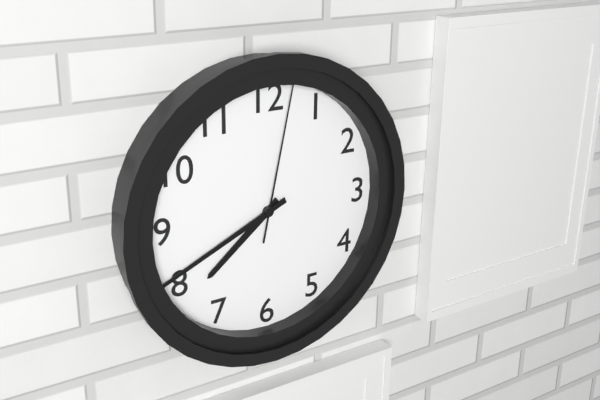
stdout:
{"hour": 7, "minute": 41, "second": 2}
